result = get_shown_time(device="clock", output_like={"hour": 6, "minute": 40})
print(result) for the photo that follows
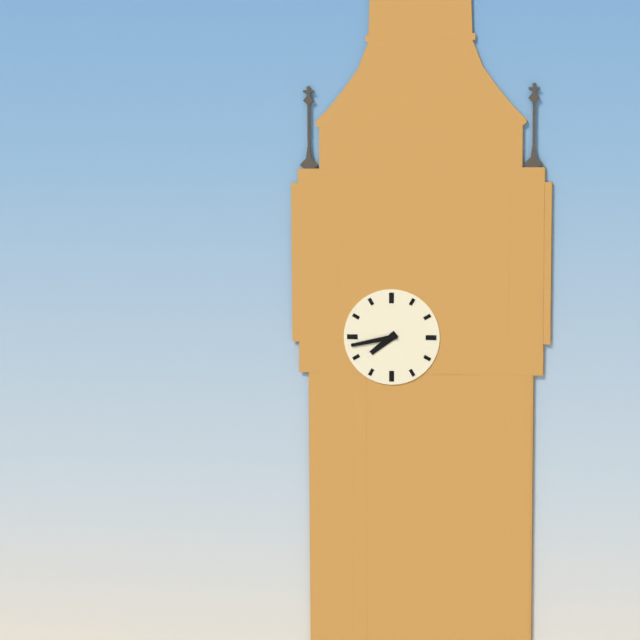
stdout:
{"hour": 7, "minute": 43}
